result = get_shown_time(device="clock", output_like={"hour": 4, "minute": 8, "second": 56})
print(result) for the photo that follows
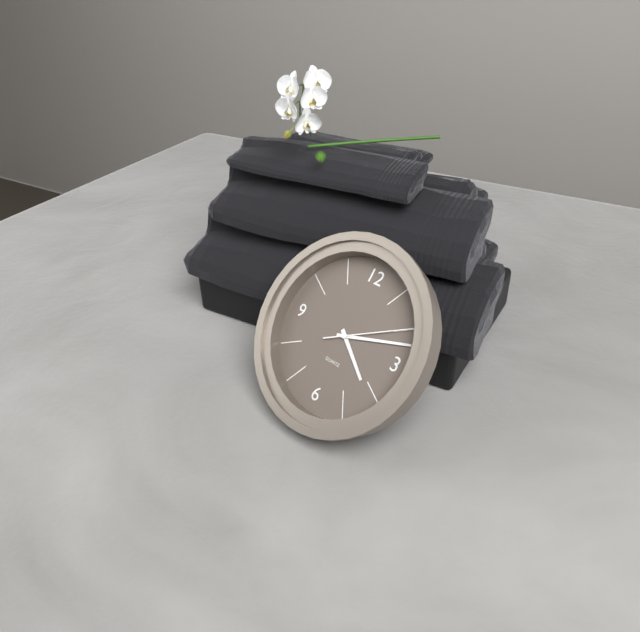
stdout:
{"hour": 4, "minute": 12, "second": 10}
